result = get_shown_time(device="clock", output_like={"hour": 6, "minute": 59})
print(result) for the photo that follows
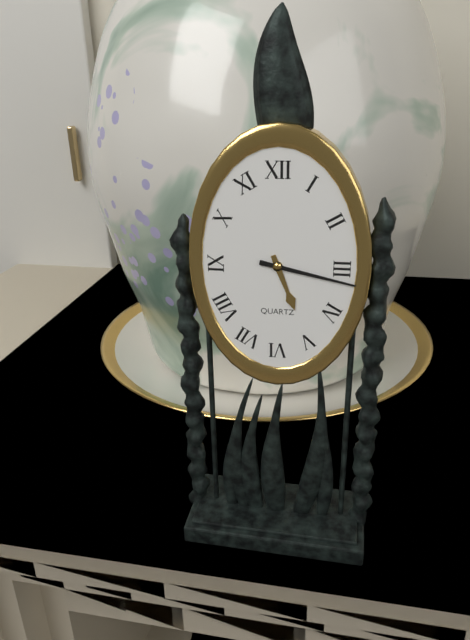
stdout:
{"hour": 5, "minute": 17}
